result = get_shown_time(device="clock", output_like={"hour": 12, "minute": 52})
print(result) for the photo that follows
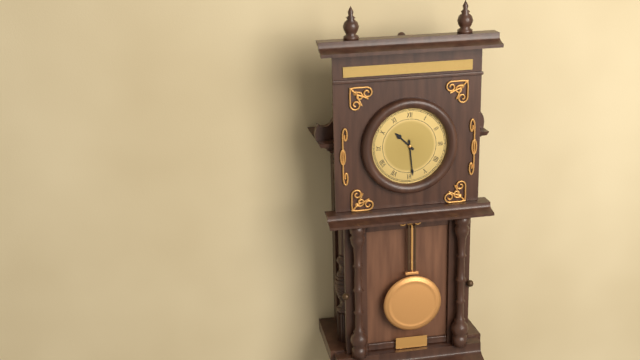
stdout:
{"hour": 10, "minute": 29}
